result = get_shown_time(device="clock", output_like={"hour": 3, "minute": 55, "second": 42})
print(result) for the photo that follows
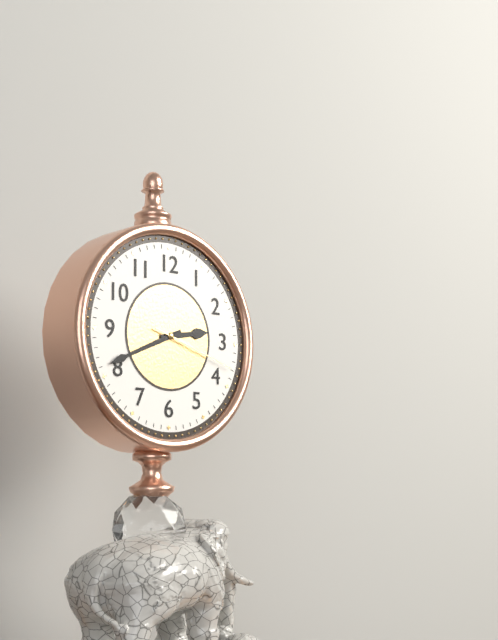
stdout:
{"hour": 2, "minute": 41, "second": 18}
